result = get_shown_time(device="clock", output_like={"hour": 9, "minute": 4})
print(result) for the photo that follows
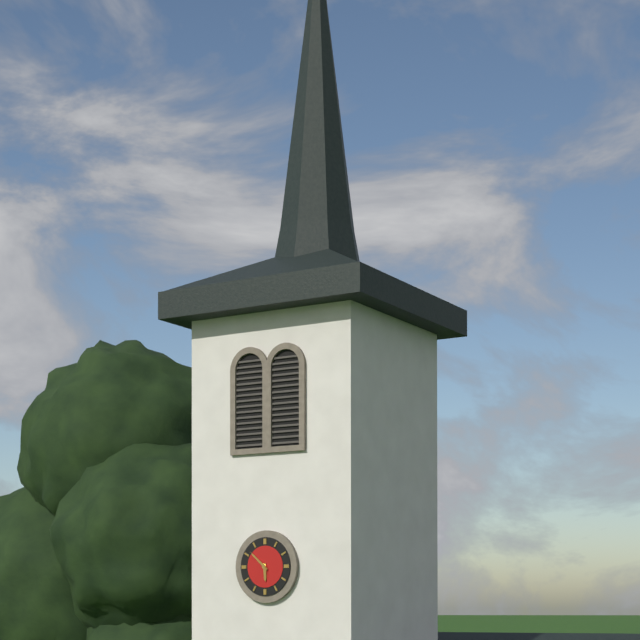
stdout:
{"hour": 5, "minute": 52}
